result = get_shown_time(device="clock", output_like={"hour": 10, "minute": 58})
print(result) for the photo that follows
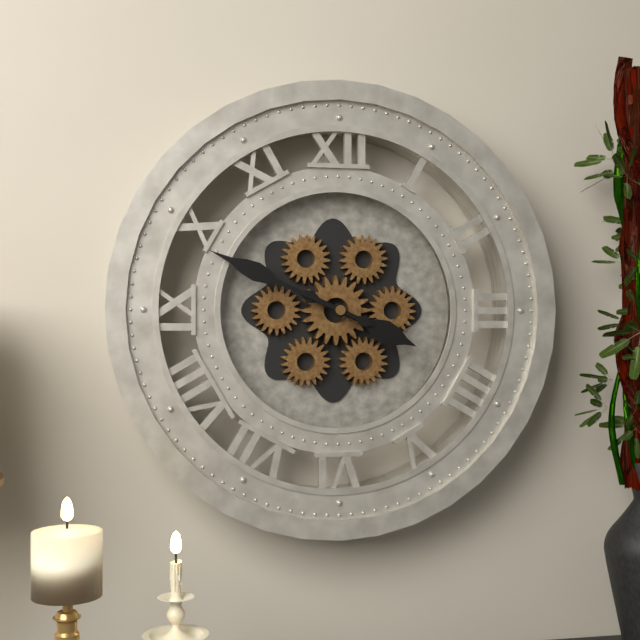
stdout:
{"hour": 3, "minute": 49}
